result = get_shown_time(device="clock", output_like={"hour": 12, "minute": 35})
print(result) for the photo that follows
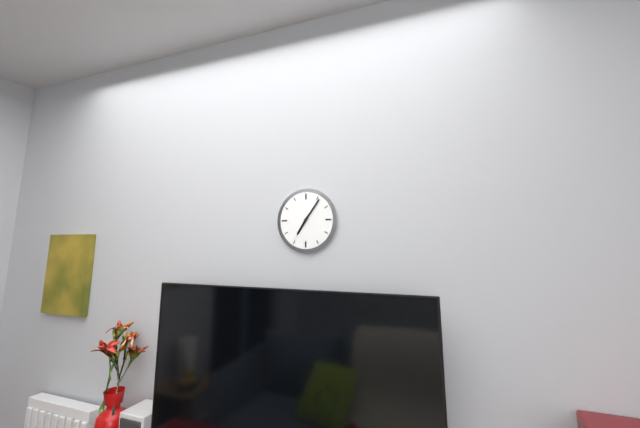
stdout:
{"hour": 7, "minute": 6}
